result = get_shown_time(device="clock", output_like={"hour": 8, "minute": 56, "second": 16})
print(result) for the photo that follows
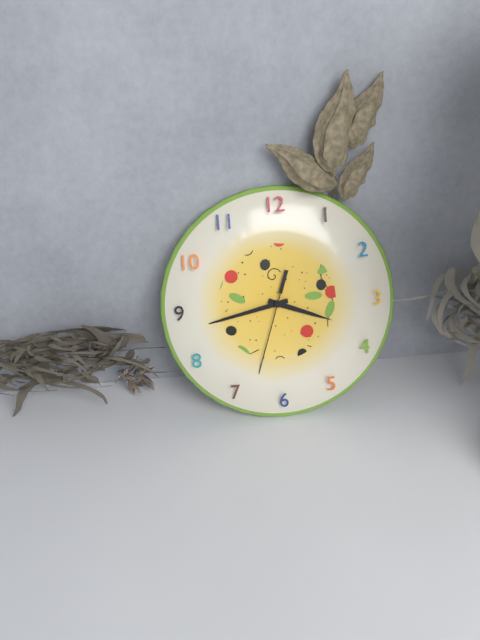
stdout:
{"hour": 3, "minute": 43, "second": 33}
